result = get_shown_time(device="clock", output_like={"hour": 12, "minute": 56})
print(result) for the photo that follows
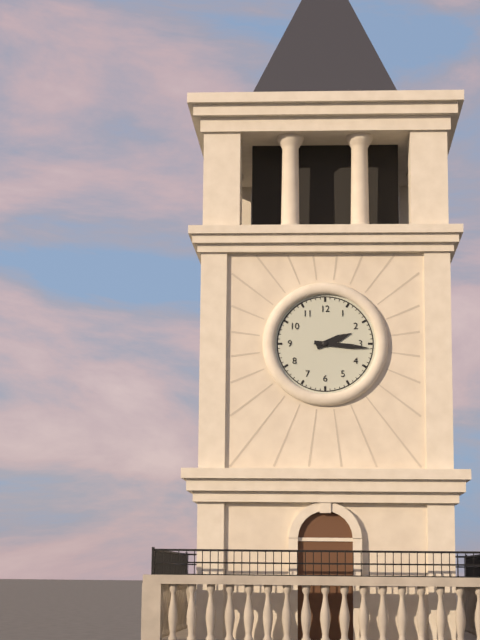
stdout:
{"hour": 2, "minute": 16}
